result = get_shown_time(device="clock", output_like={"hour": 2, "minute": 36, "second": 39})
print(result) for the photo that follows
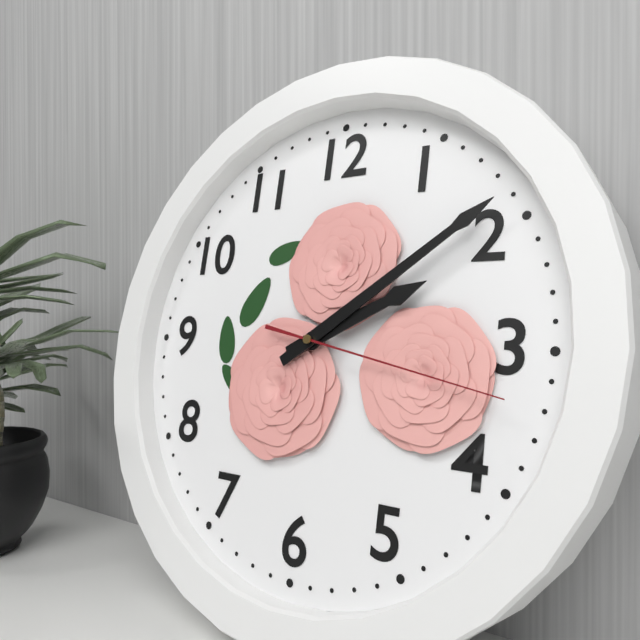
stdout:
{"hour": 2, "minute": 9, "second": 17}
